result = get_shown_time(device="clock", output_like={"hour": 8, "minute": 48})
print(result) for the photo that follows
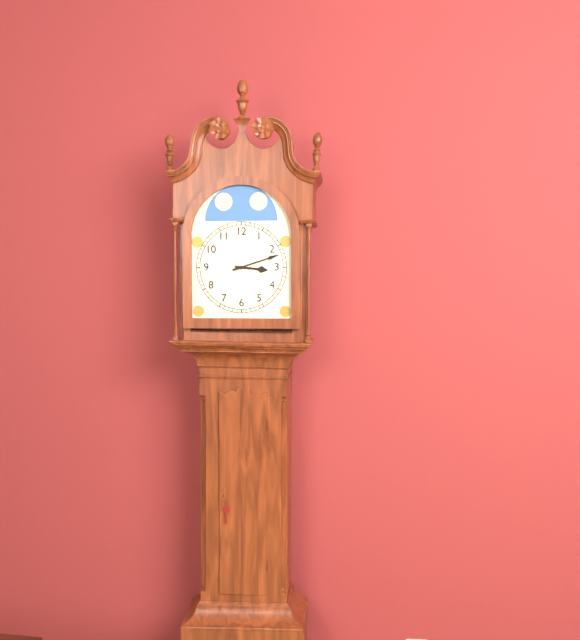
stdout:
{"hour": 3, "minute": 12}
